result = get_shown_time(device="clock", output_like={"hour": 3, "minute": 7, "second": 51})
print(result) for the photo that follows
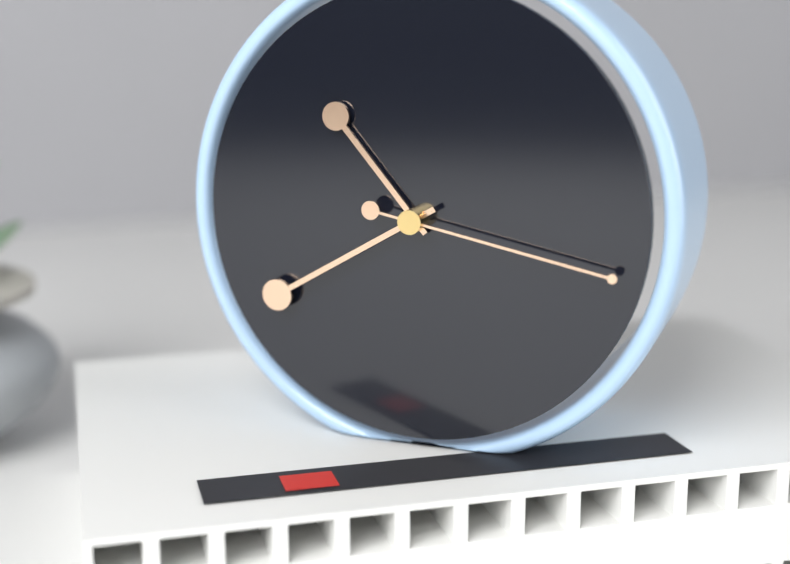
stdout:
{"hour": 10, "minute": 40, "second": 17}
